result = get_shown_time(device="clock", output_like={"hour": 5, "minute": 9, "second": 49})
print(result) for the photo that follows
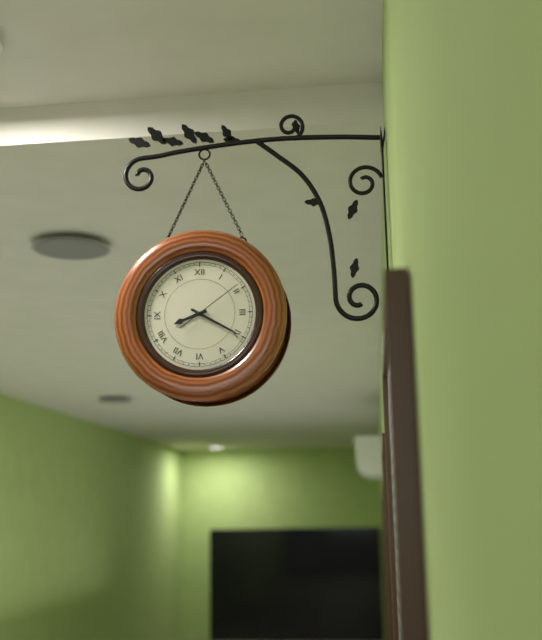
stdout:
{"hour": 8, "minute": 20, "second": 9}
